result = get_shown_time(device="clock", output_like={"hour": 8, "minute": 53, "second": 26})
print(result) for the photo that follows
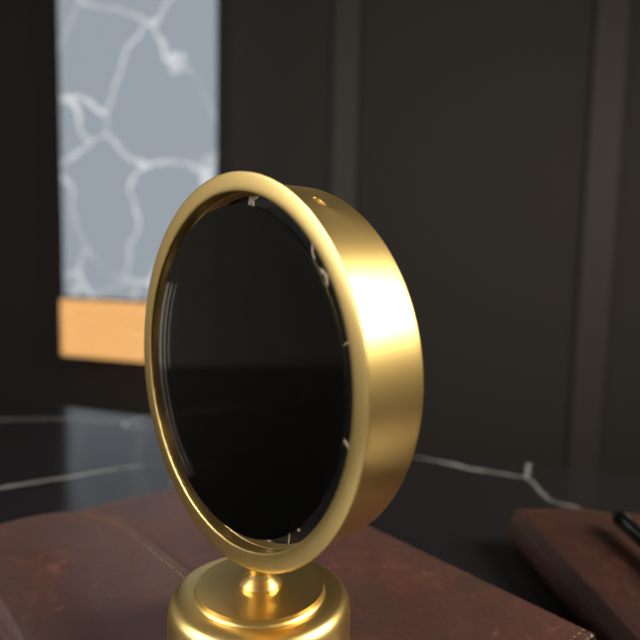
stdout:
{"hour": 10, "minute": 9, "second": 0}
